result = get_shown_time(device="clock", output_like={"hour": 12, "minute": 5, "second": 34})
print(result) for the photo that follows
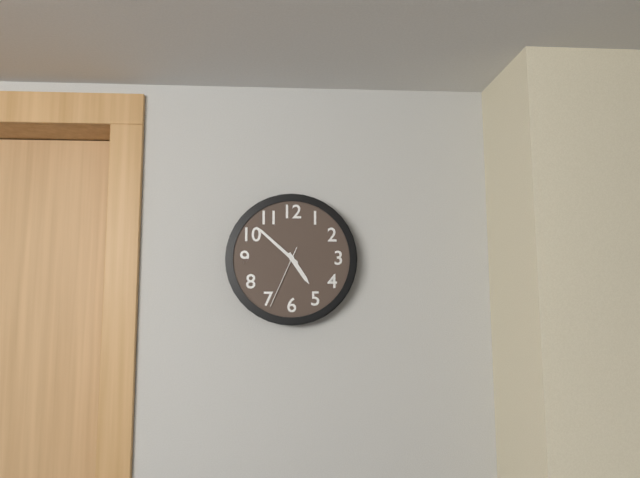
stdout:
{"hour": 4, "minute": 52, "second": 34}
